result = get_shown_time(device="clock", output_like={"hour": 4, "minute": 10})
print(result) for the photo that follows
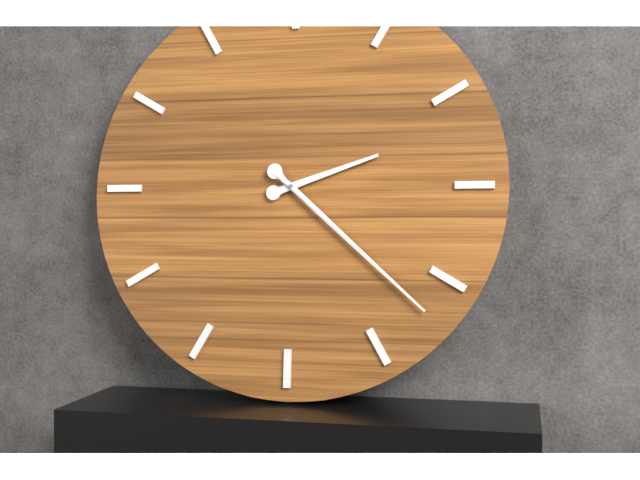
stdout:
{"hour": 2, "minute": 22}
